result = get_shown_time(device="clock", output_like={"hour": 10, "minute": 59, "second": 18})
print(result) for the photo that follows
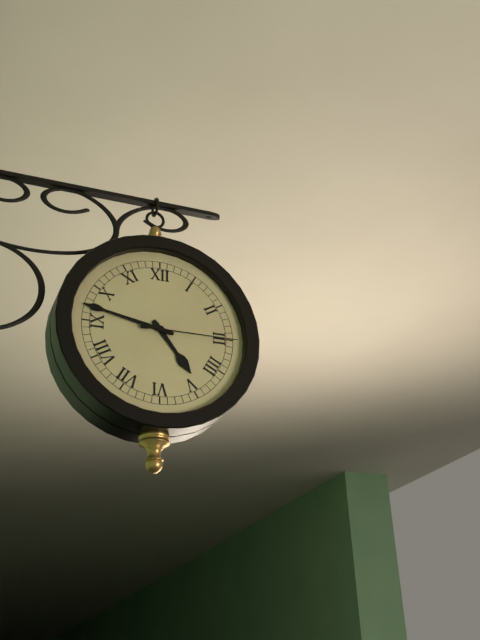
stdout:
{"hour": 4, "minute": 47, "second": 15}
